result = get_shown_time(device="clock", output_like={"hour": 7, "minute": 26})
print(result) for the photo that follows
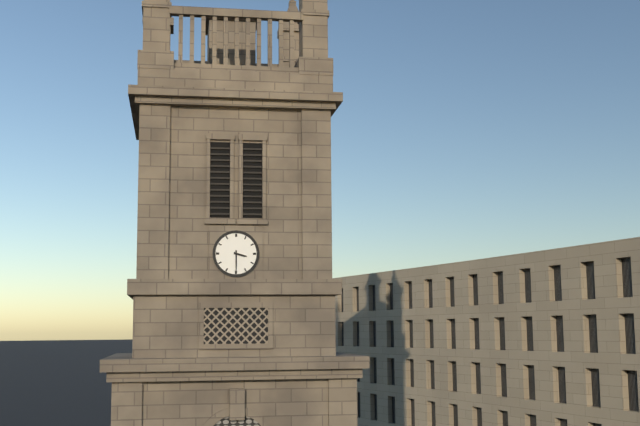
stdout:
{"hour": 3, "minute": 30}
